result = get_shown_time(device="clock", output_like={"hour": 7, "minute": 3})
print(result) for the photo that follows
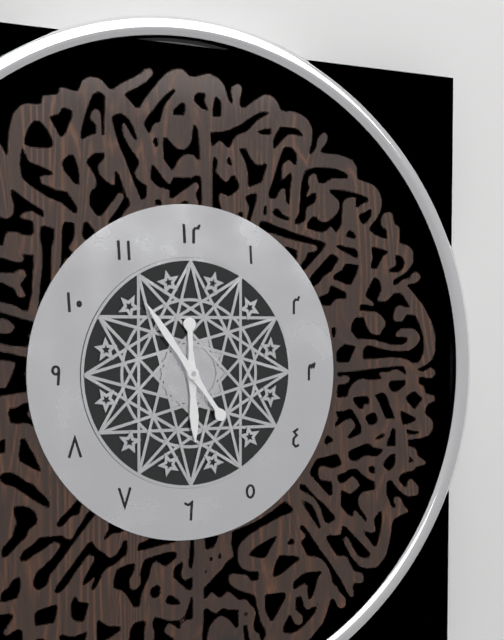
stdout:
{"hour": 5, "minute": 54}
